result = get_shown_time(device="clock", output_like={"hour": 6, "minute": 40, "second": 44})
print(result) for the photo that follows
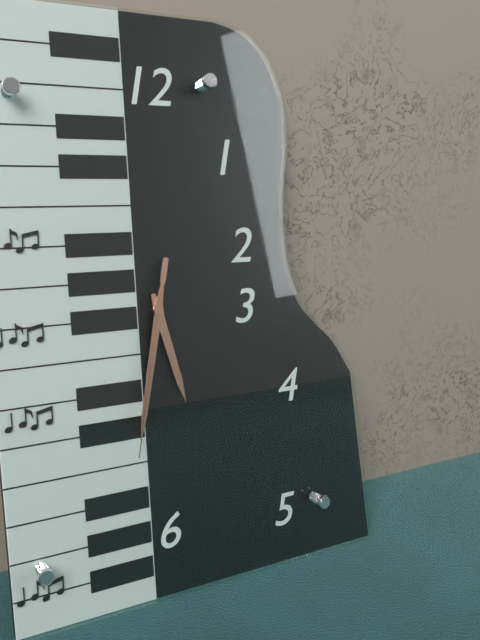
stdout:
{"hour": 5, "minute": 32, "second": 32}
